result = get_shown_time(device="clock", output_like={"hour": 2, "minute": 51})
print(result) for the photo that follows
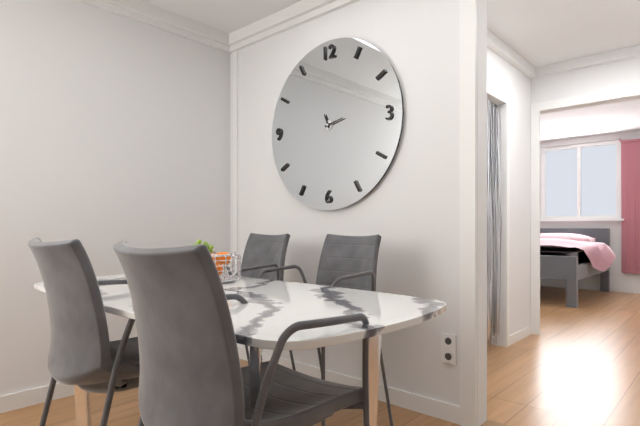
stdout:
{"hour": 11, "minute": 13}
